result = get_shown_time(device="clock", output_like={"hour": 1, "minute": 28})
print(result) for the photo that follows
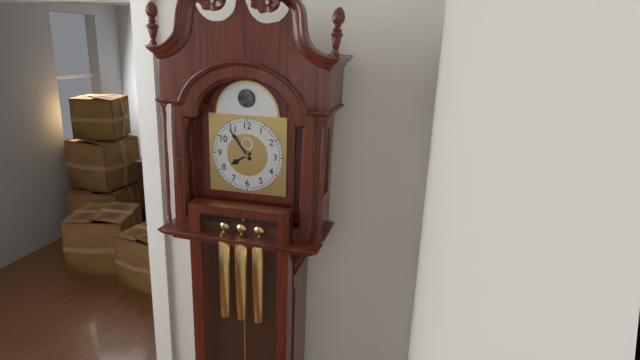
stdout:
{"hour": 7, "minute": 54}
